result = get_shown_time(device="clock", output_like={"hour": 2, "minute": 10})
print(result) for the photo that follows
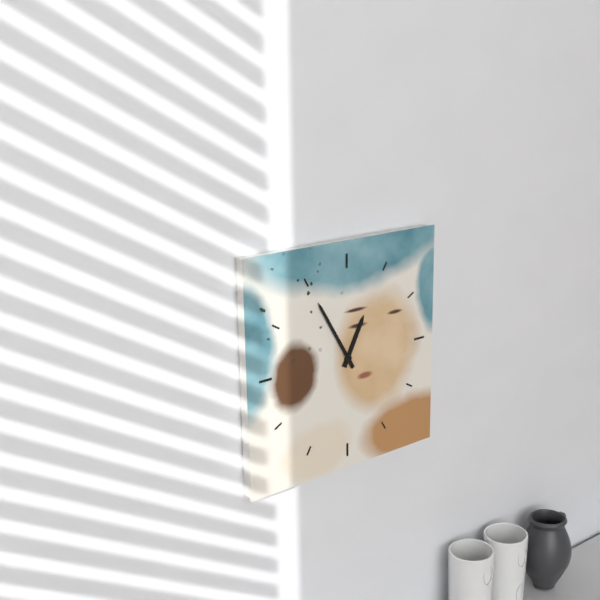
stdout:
{"hour": 12, "minute": 55}
